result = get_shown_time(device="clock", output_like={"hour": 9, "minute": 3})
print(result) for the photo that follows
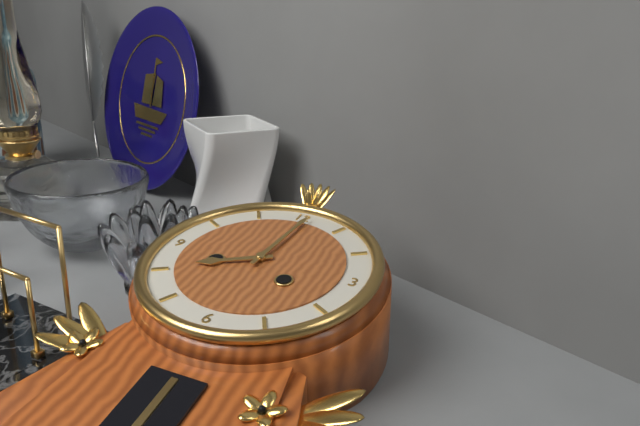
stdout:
{"hour": 8, "minute": 1}
